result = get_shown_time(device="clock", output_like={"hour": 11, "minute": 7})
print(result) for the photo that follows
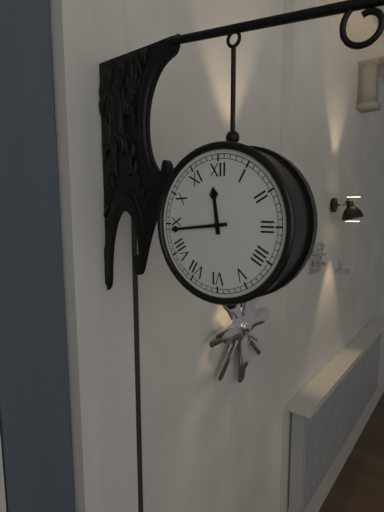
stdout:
{"hour": 11, "minute": 44}
